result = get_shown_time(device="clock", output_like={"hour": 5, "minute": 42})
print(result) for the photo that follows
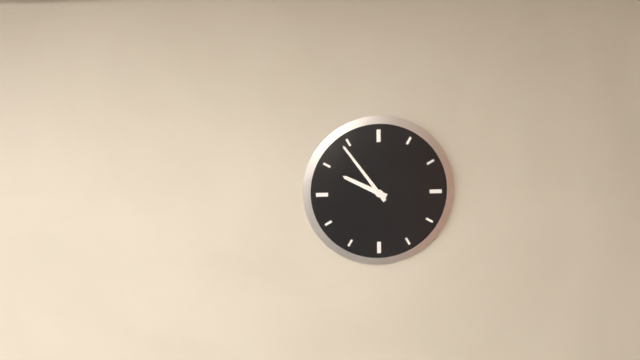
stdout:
{"hour": 9, "minute": 54}
